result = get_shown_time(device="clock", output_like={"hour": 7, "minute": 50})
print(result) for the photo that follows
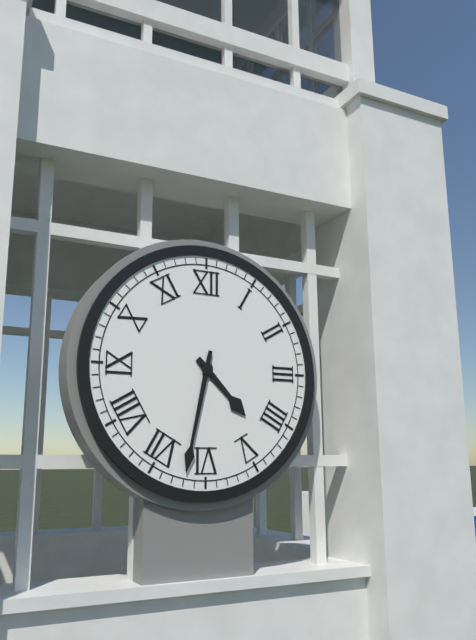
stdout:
{"hour": 4, "minute": 32}
